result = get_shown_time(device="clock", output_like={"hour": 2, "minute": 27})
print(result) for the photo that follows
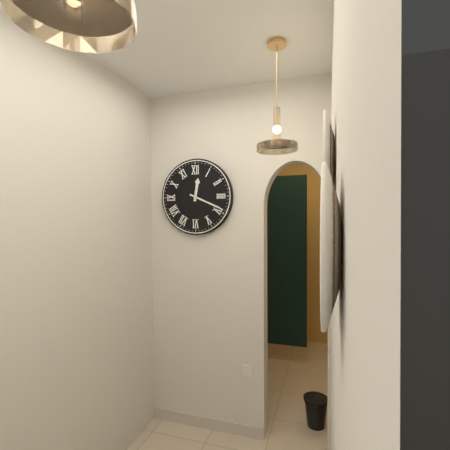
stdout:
{"hour": 12, "minute": 19}
